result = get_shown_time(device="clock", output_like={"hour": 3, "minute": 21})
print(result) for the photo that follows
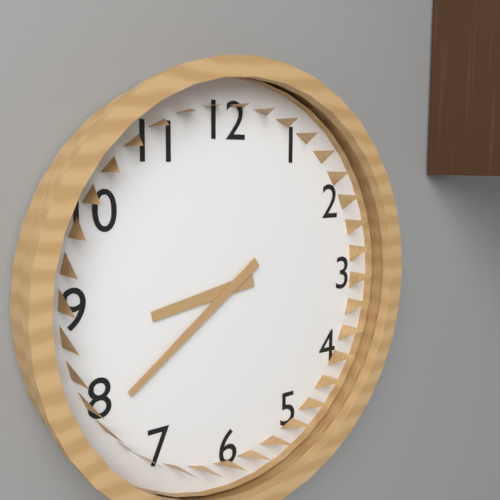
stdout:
{"hour": 8, "minute": 39}
